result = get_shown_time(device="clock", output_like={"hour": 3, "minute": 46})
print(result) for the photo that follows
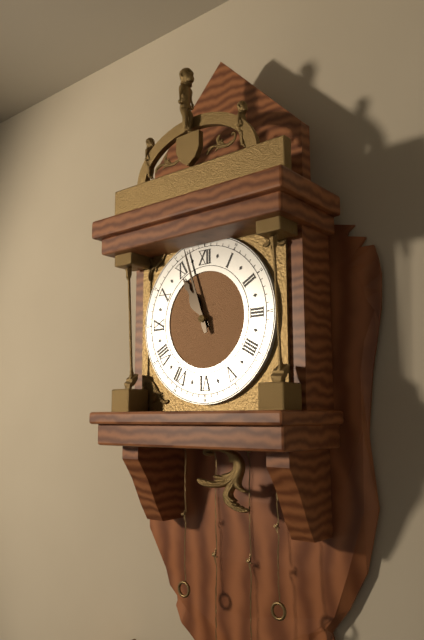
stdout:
{"hour": 10, "minute": 57}
